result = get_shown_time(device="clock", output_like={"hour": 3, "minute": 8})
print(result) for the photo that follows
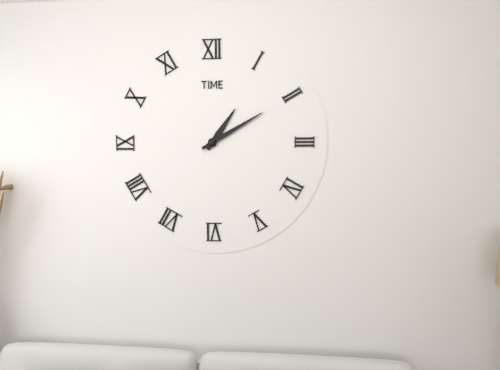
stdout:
{"hour": 1, "minute": 10}
